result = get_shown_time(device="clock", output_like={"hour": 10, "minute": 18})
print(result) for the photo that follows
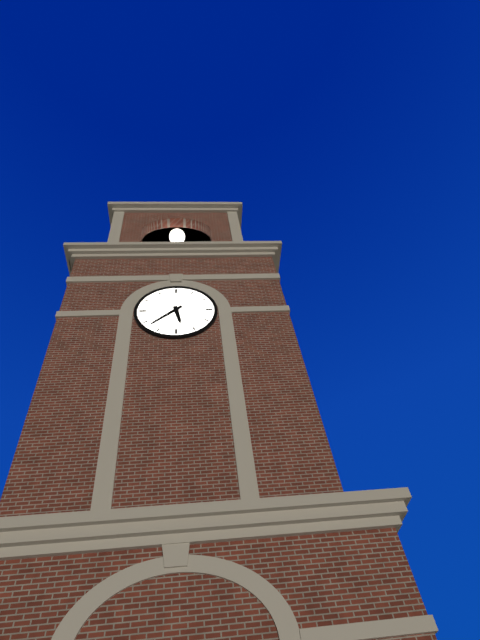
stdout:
{"hour": 5, "minute": 38}
